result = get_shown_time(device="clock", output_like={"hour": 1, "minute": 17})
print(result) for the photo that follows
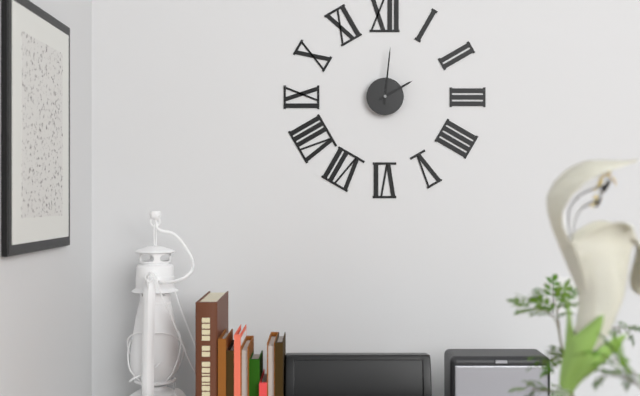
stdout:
{"hour": 2, "minute": 1}
